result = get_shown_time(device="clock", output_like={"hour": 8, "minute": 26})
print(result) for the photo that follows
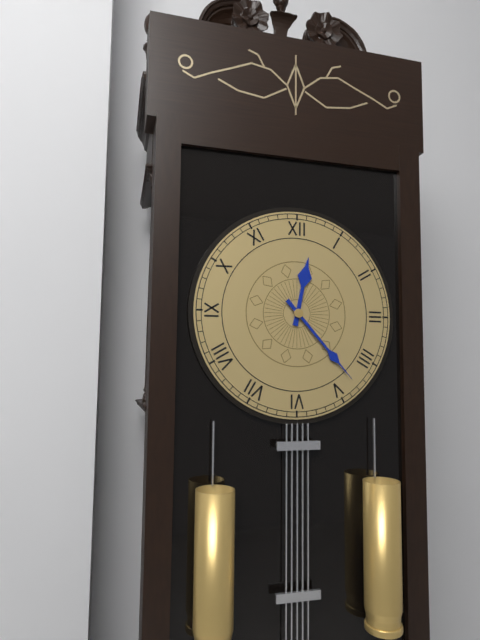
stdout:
{"hour": 12, "minute": 23}
